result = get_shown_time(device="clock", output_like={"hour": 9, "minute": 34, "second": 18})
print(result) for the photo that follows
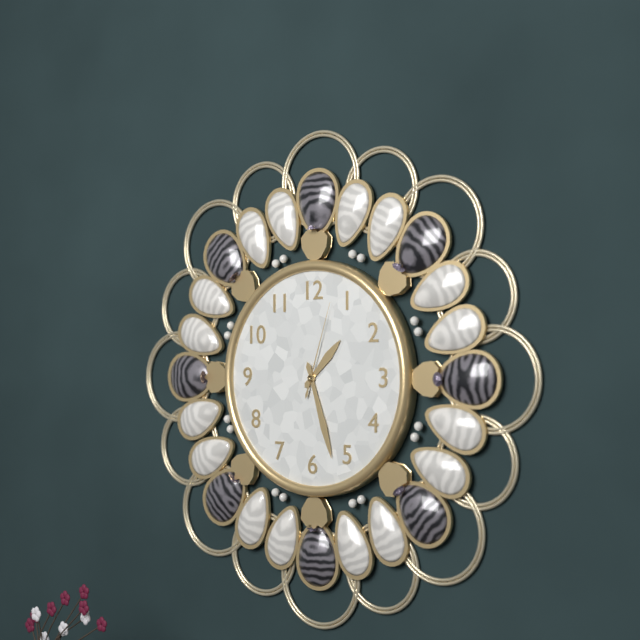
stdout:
{"hour": 1, "minute": 27, "second": 3}
